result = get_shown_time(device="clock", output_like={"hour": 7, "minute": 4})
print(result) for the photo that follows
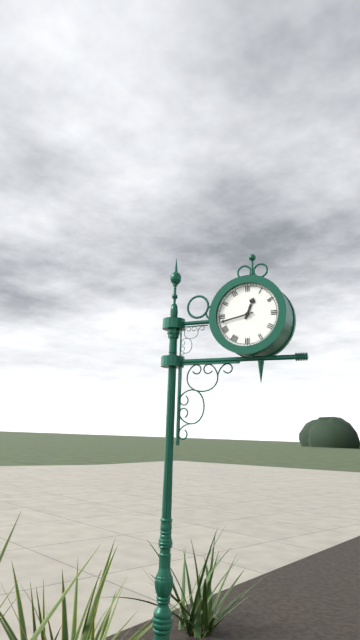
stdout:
{"hour": 12, "minute": 43}
